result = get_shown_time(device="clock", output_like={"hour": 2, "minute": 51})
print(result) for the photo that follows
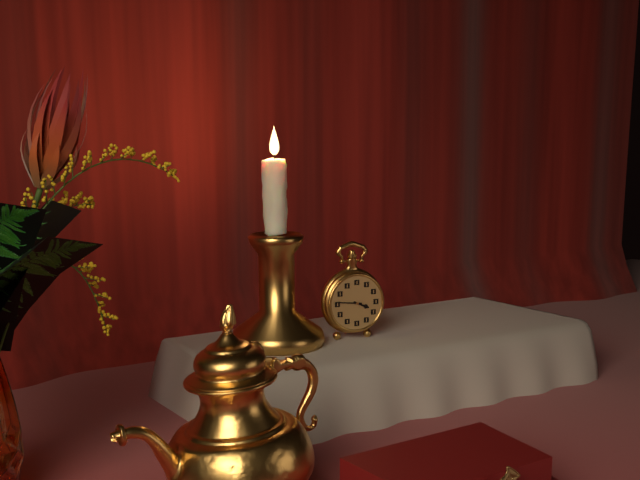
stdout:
{"hour": 3, "minute": 46}
